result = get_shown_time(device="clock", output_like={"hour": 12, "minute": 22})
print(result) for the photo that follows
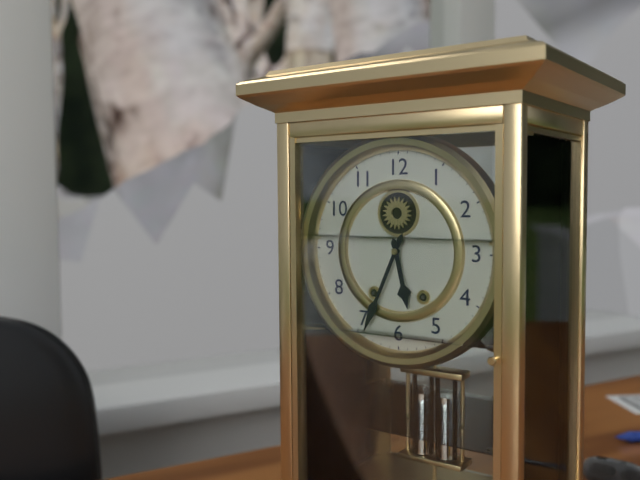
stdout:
{"hour": 5, "minute": 34}
